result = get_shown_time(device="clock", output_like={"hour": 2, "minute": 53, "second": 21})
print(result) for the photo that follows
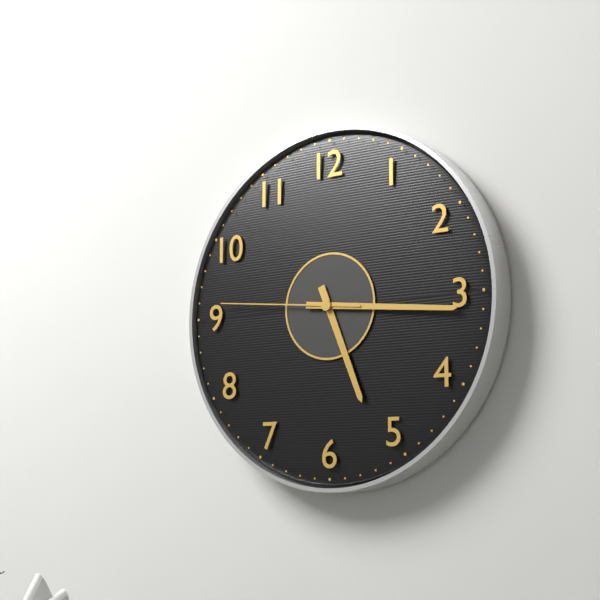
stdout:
{"hour": 5, "minute": 16, "second": 46}
